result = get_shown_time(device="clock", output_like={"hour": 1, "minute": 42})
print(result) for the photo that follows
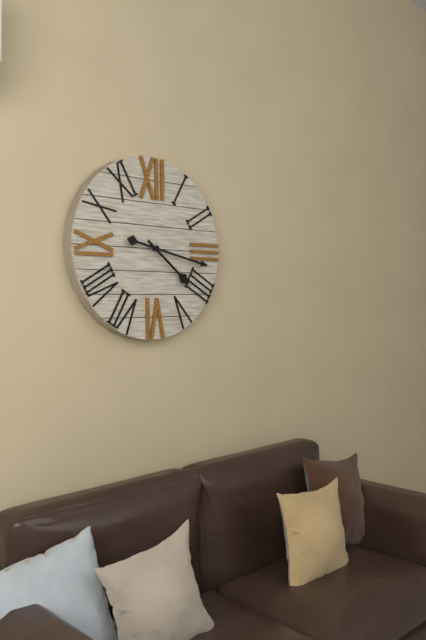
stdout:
{"hour": 4, "minute": 17}
